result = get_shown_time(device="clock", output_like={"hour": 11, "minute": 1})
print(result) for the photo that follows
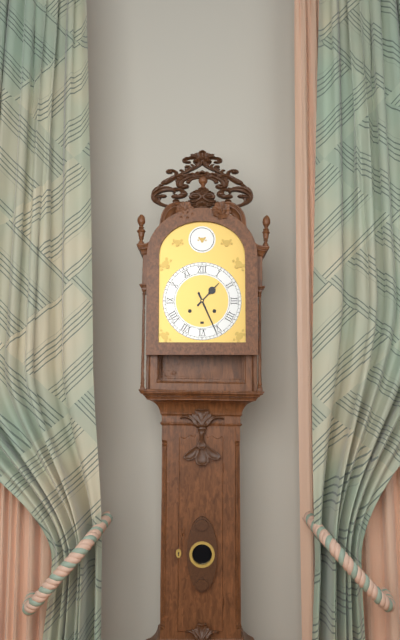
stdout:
{"hour": 1, "minute": 26}
